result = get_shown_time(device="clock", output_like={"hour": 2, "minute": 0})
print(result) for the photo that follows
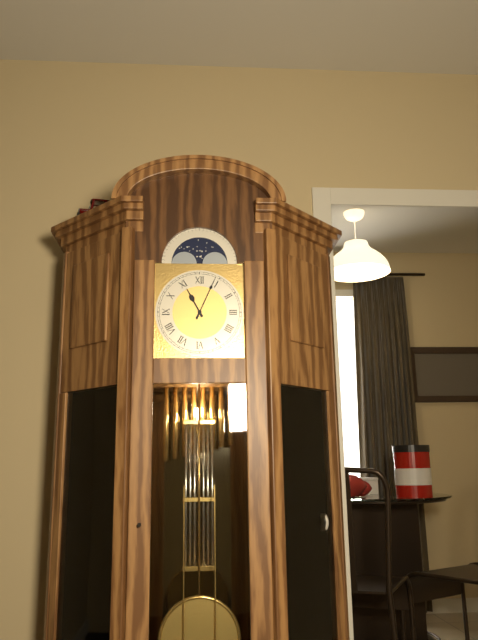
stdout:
{"hour": 11, "minute": 4}
